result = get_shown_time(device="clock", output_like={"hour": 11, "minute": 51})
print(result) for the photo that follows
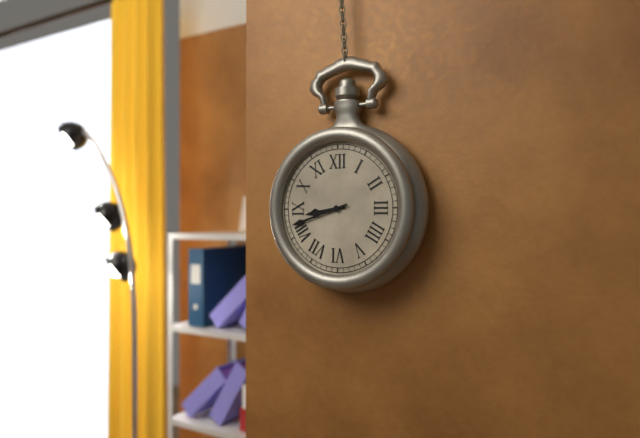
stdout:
{"hour": 8, "minute": 42}
